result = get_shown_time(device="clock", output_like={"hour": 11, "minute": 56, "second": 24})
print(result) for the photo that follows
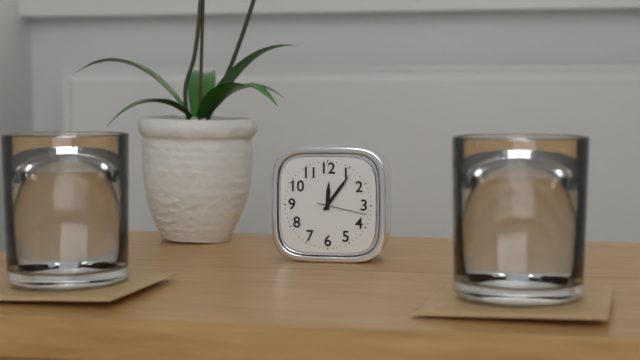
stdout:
{"hour": 12, "minute": 6, "second": 17}
